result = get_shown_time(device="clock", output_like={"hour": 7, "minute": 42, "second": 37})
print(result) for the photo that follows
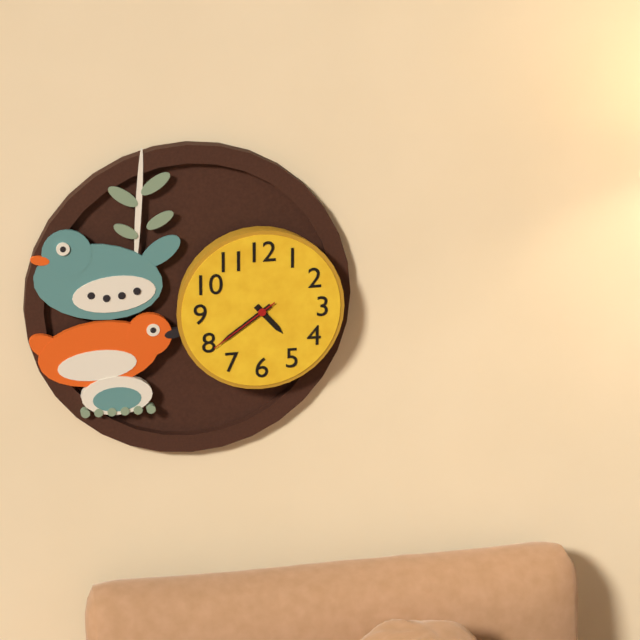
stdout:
{"hour": 4, "minute": 39, "second": 39}
